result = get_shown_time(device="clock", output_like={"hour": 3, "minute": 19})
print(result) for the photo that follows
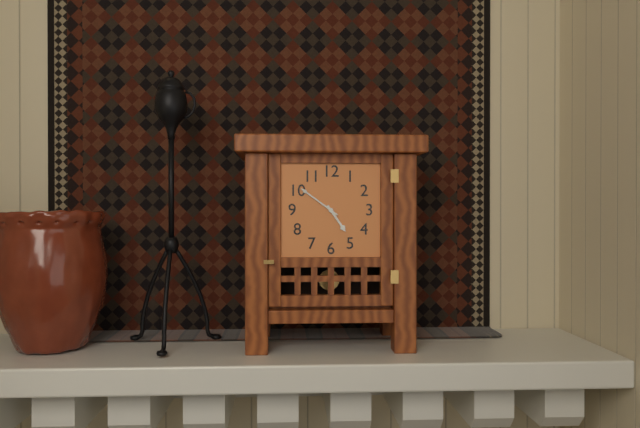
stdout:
{"hour": 4, "minute": 51}
